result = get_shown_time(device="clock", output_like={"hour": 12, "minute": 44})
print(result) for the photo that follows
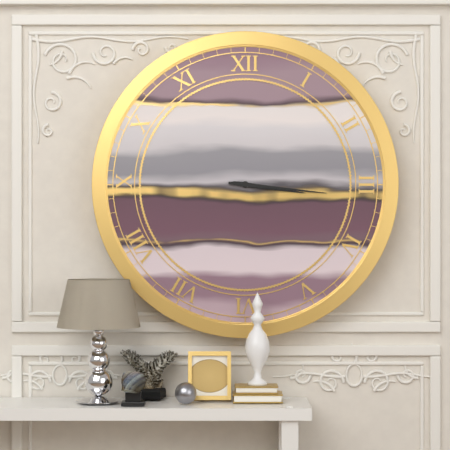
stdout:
{"hour": 3, "minute": 16}
